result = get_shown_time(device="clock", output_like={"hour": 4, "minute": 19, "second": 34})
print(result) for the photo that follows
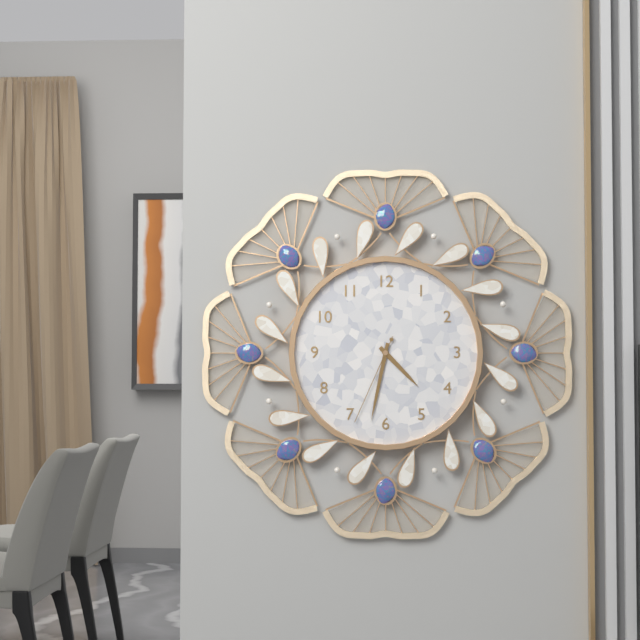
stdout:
{"hour": 4, "minute": 32, "second": 34}
